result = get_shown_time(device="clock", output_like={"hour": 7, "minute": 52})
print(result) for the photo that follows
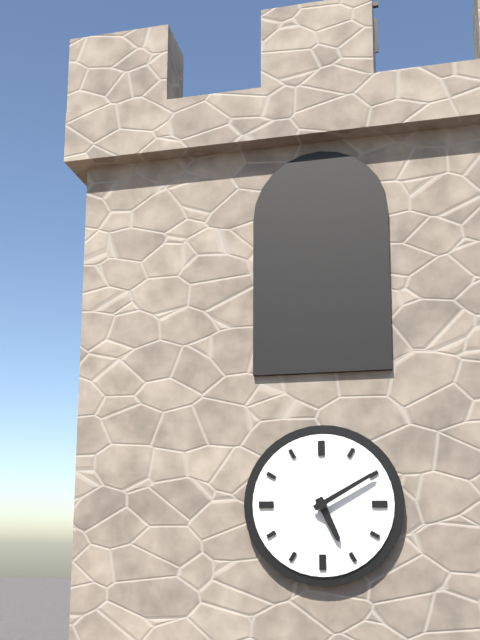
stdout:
{"hour": 5, "minute": 10}
